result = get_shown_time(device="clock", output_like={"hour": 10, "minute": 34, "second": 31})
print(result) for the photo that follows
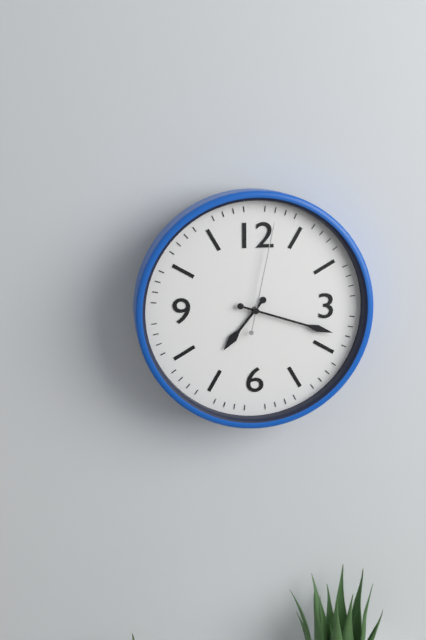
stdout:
{"hour": 7, "minute": 18, "second": 2}
